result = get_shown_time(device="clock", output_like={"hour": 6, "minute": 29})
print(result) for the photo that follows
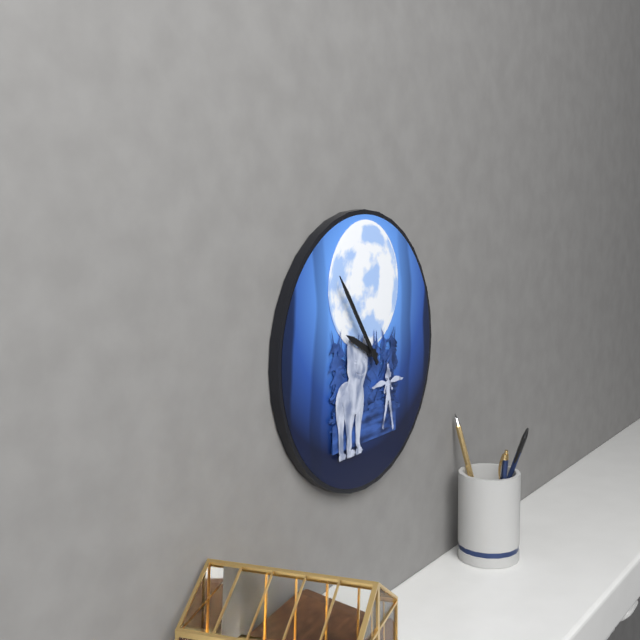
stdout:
{"hour": 9, "minute": 54}
